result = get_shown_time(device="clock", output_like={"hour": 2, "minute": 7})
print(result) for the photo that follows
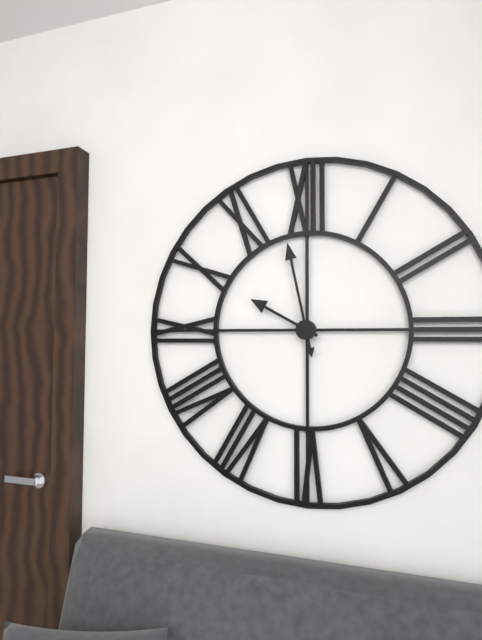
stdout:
{"hour": 9, "minute": 58}
